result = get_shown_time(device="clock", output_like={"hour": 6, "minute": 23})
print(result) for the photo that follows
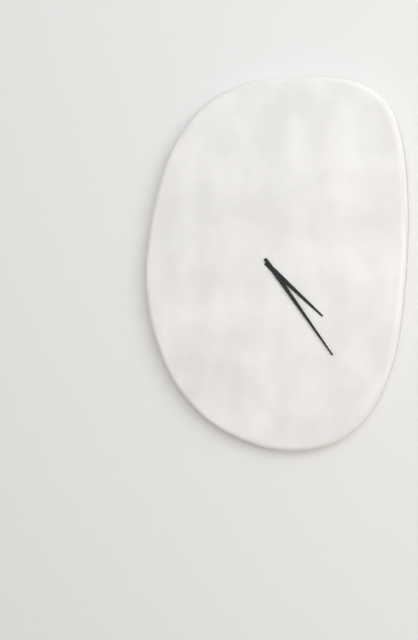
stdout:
{"hour": 4, "minute": 24}
